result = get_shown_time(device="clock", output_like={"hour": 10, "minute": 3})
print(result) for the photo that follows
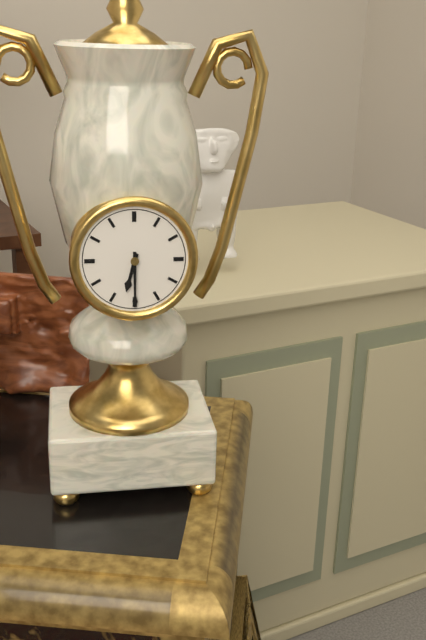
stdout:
{"hour": 6, "minute": 30}
